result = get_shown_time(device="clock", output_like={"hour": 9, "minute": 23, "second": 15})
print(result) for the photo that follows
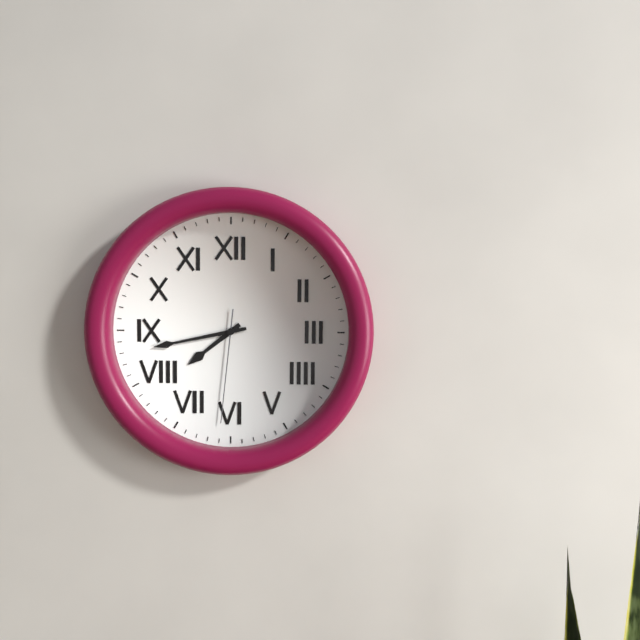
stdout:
{"hour": 7, "minute": 43, "second": 31}
